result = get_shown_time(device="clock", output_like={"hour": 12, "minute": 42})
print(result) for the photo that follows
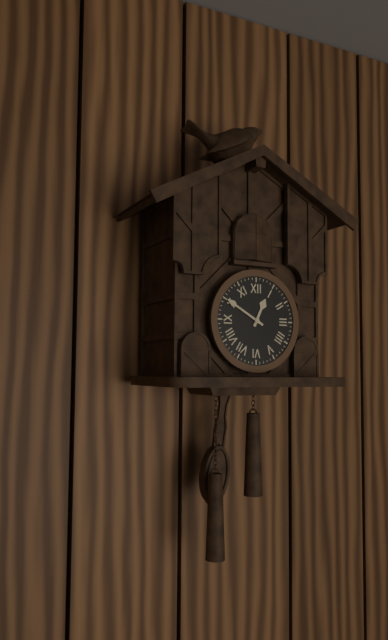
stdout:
{"hour": 12, "minute": 50}
